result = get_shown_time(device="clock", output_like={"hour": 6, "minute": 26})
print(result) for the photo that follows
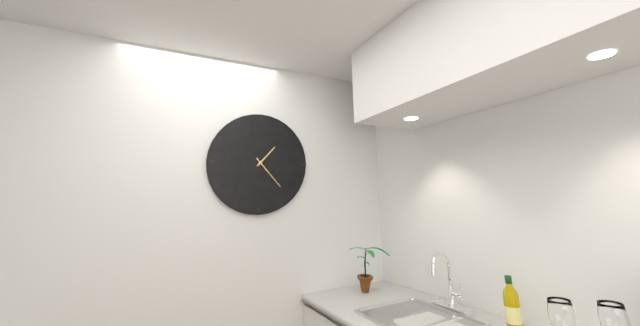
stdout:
{"hour": 1, "minute": 23}
